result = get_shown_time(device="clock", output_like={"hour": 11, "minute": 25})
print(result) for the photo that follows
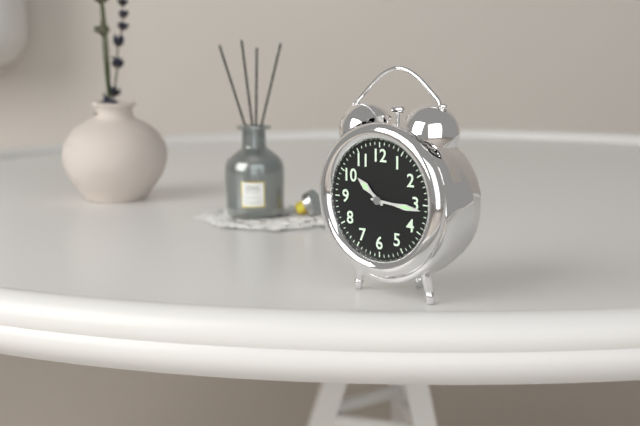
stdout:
{"hour": 10, "minute": 16}
